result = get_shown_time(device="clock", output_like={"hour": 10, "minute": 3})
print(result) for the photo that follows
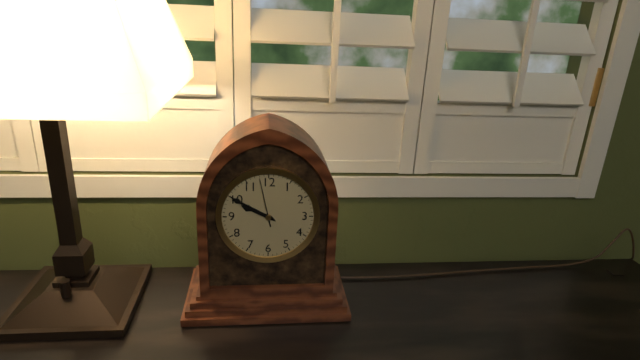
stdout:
{"hour": 9, "minute": 50}
